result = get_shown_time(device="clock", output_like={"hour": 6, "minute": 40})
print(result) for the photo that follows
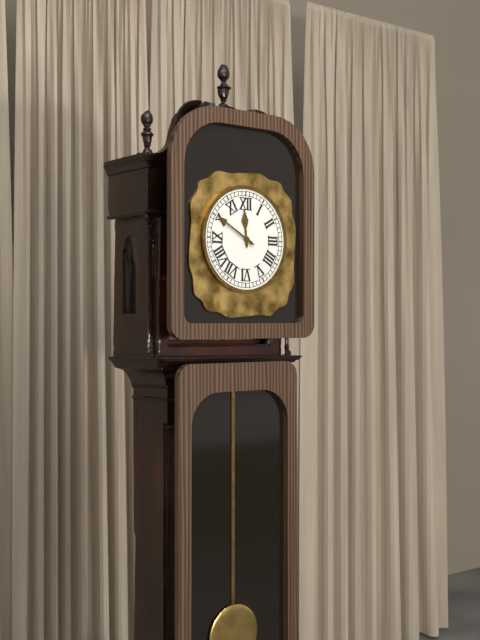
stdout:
{"hour": 11, "minute": 50}
